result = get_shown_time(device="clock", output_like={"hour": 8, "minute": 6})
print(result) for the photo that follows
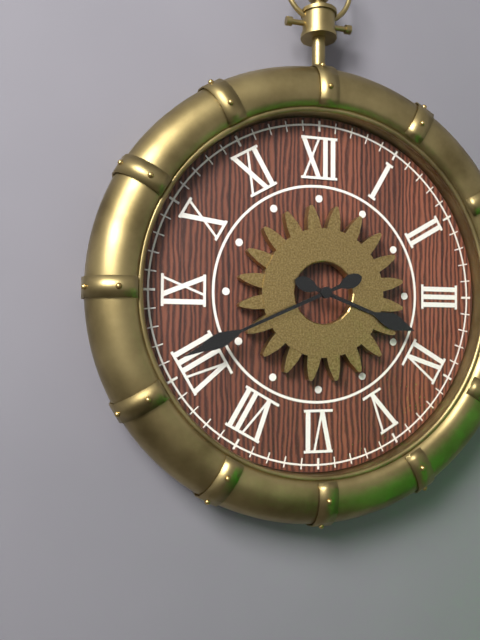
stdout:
{"hour": 3, "minute": 41}
